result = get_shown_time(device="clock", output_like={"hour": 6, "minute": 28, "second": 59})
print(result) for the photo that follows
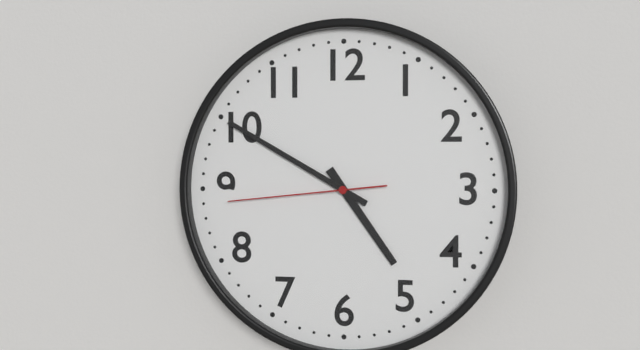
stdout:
{"hour": 4, "minute": 50, "second": 44}
